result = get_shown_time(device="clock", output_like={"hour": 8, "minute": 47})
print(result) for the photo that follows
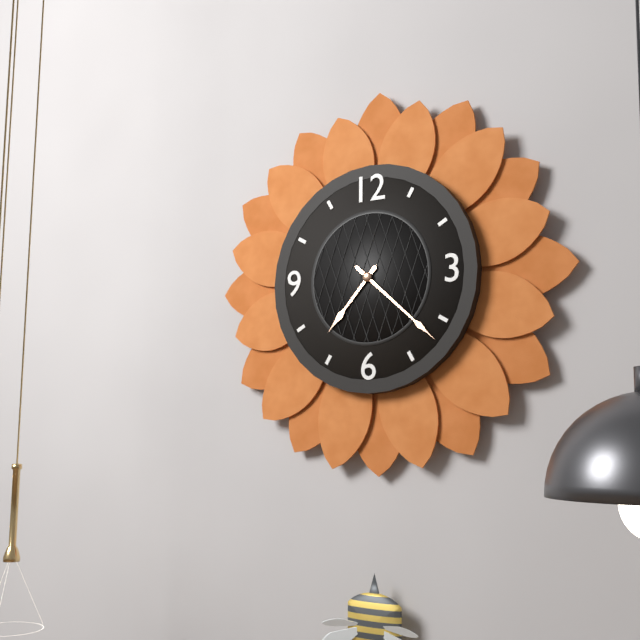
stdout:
{"hour": 7, "minute": 22}
